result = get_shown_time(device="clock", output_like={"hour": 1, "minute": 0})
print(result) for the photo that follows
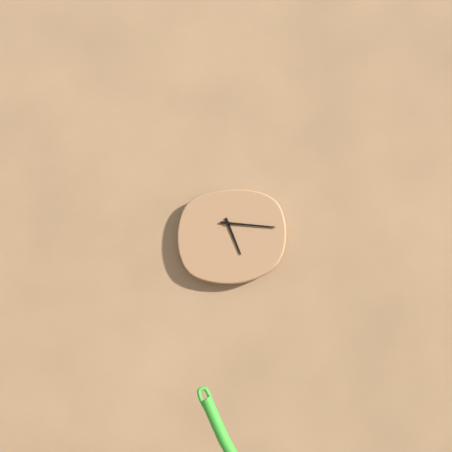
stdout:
{"hour": 5, "minute": 16}
